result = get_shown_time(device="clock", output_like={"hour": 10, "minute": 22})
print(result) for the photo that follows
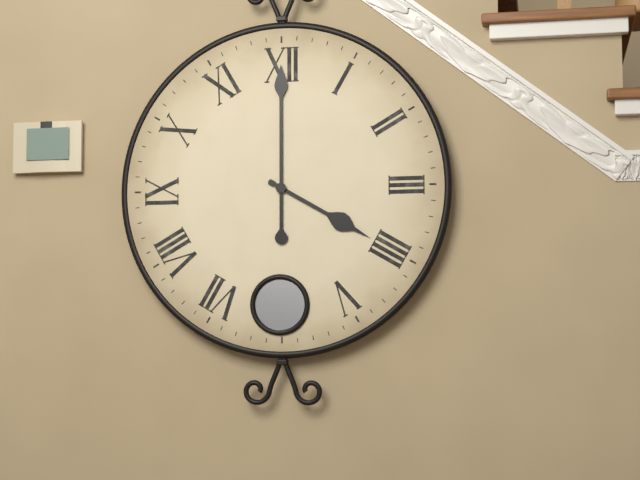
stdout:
{"hour": 4, "minute": 0}
